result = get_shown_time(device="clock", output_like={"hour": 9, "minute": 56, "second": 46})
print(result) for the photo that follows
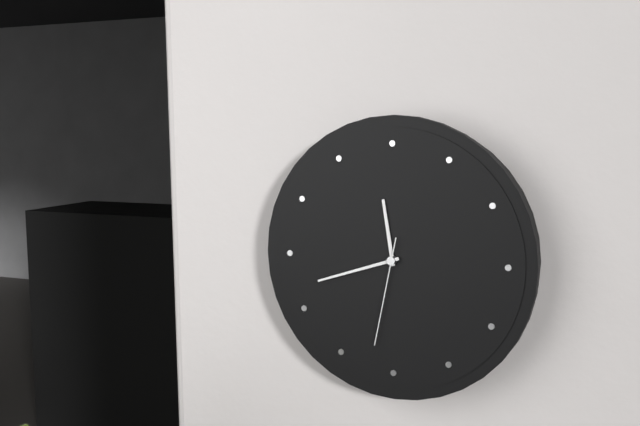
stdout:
{"hour": 11, "minute": 42, "second": 32}
